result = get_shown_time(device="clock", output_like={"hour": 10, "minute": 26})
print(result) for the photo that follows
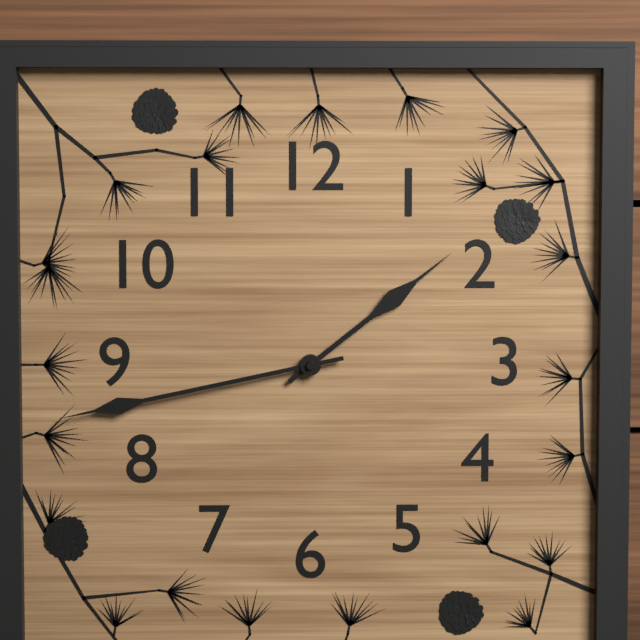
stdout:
{"hour": 1, "minute": 43}
